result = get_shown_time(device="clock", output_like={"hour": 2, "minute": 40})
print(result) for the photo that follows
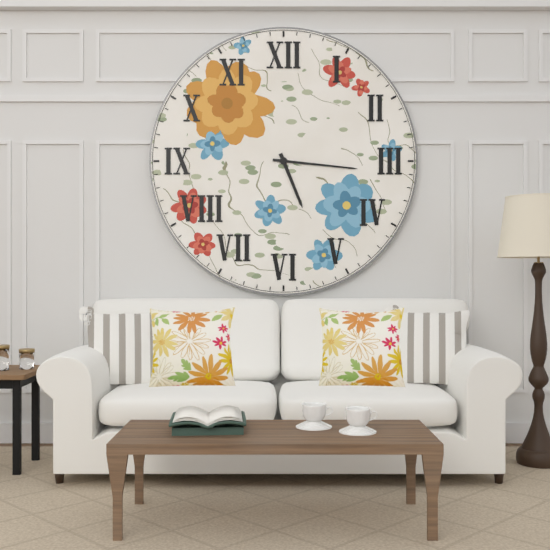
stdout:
{"hour": 5, "minute": 16}
